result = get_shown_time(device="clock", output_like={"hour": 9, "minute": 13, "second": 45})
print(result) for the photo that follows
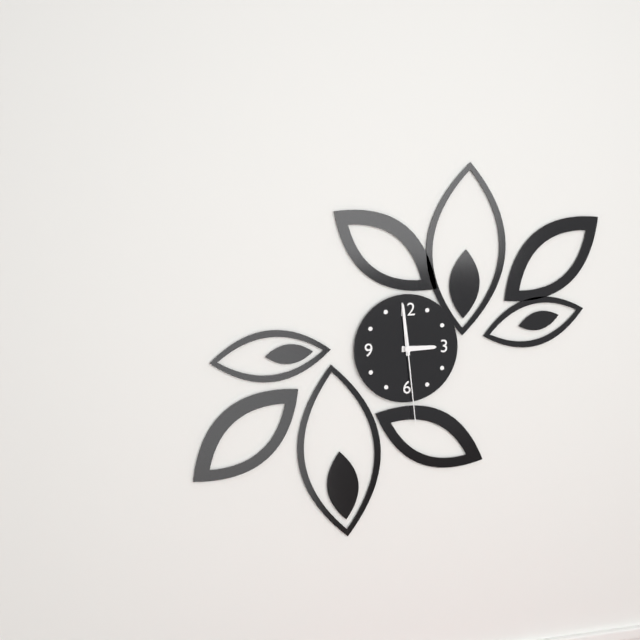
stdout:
{"hour": 2, "minute": 59, "second": 29}
